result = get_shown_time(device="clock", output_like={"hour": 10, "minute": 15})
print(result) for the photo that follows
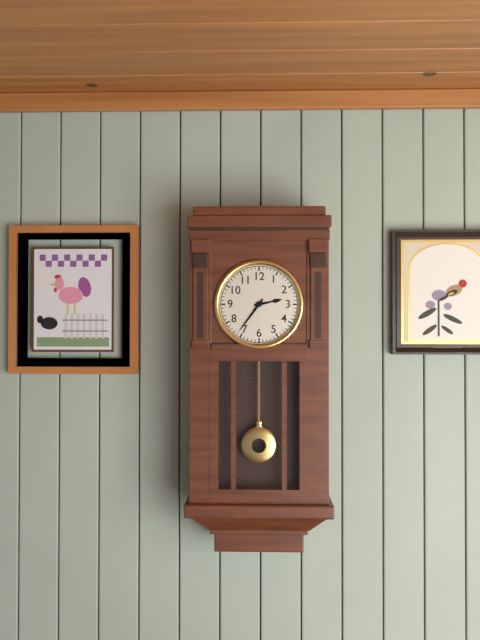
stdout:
{"hour": 2, "minute": 36}
